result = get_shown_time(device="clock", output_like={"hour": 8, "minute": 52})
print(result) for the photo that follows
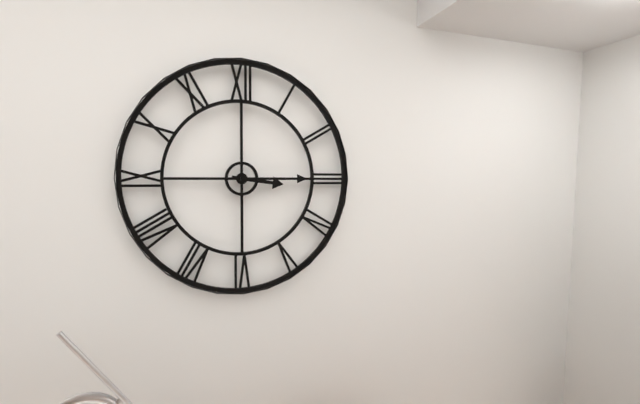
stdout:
{"hour": 3, "minute": 15}
